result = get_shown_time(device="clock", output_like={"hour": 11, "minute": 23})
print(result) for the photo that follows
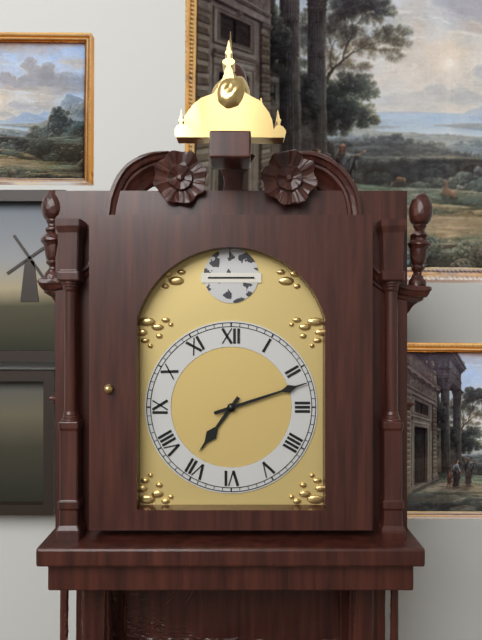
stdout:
{"hour": 7, "minute": 12}
